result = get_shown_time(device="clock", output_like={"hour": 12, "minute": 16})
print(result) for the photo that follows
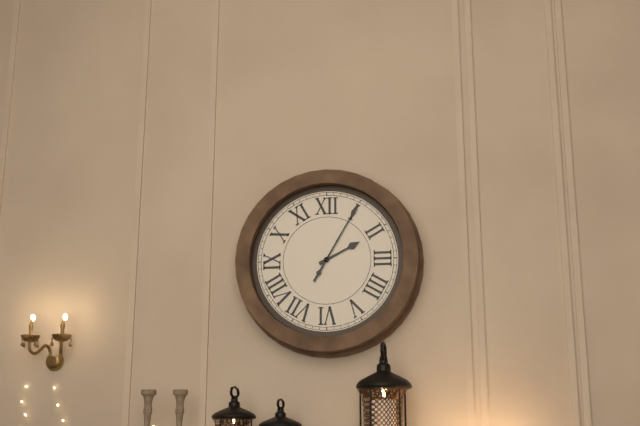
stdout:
{"hour": 2, "minute": 5}
